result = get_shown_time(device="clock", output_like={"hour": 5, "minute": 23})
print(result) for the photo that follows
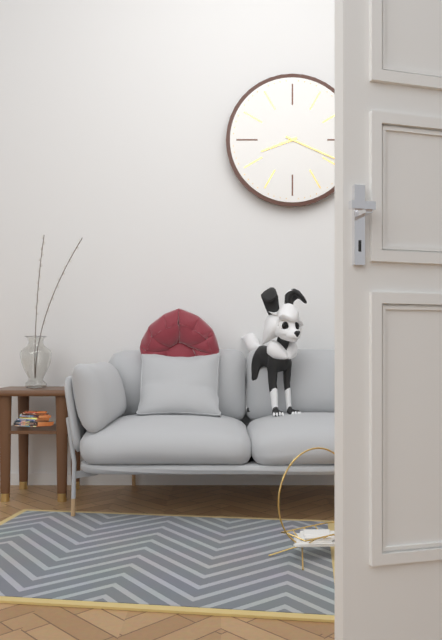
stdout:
{"hour": 8, "minute": 19}
